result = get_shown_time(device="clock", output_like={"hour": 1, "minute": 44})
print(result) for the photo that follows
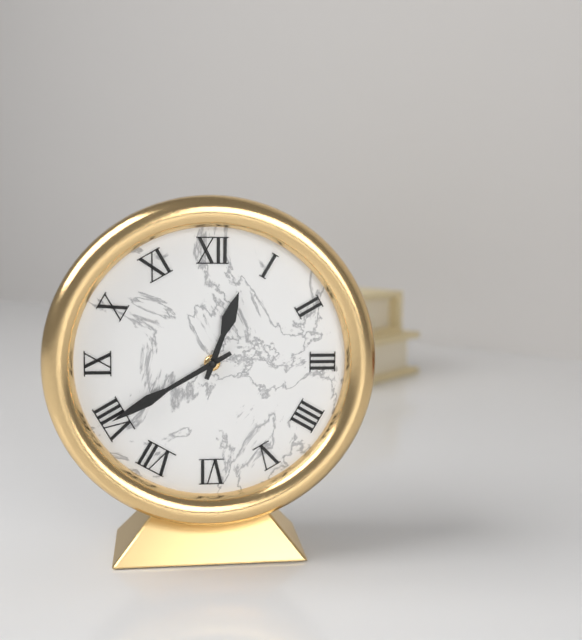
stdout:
{"hour": 12, "minute": 40}
